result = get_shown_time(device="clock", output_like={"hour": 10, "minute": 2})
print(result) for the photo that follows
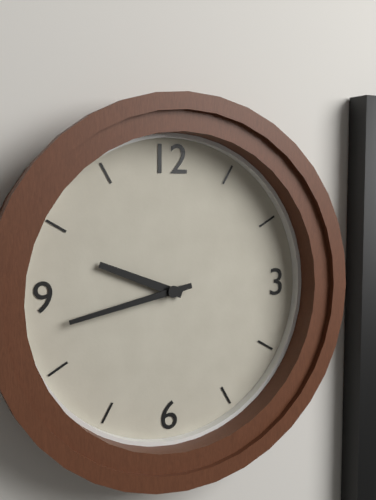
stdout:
{"hour": 9, "minute": 43}
